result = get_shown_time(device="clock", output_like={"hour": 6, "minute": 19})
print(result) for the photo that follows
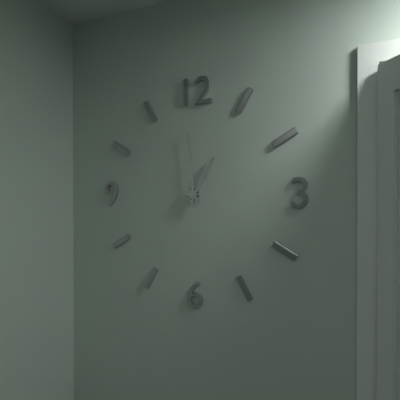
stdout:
{"hour": 12, "minute": 59}
